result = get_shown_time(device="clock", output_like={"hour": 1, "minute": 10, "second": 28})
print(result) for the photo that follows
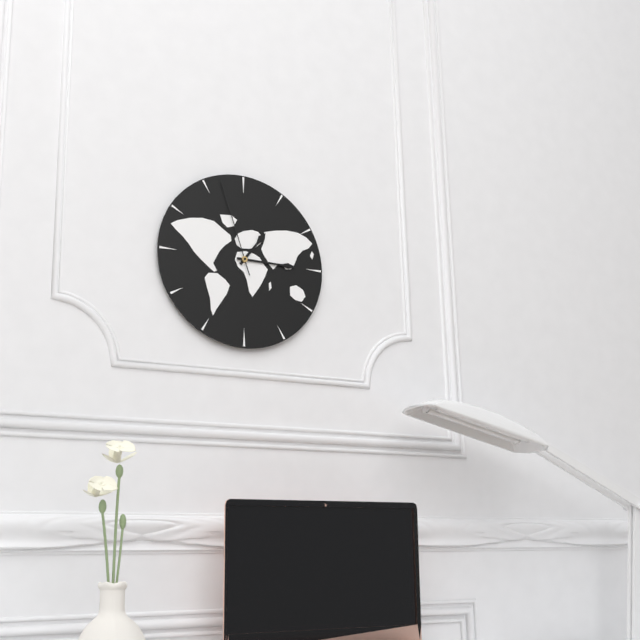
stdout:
{"hour": 1, "minute": 15, "second": 57}
